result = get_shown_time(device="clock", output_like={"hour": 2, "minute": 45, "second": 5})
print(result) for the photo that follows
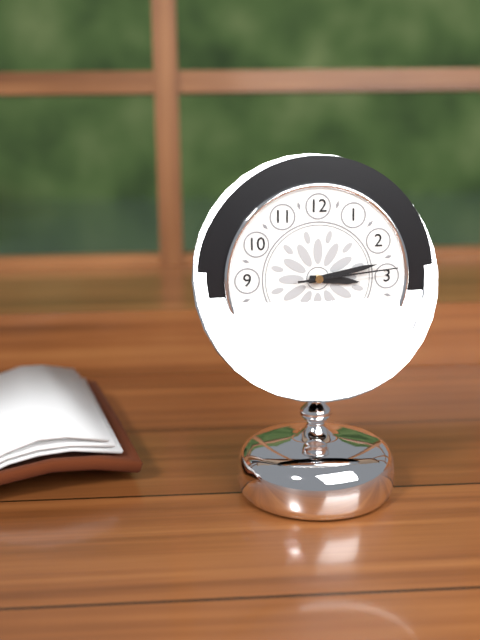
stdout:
{"hour": 3, "minute": 13, "second": 14}
